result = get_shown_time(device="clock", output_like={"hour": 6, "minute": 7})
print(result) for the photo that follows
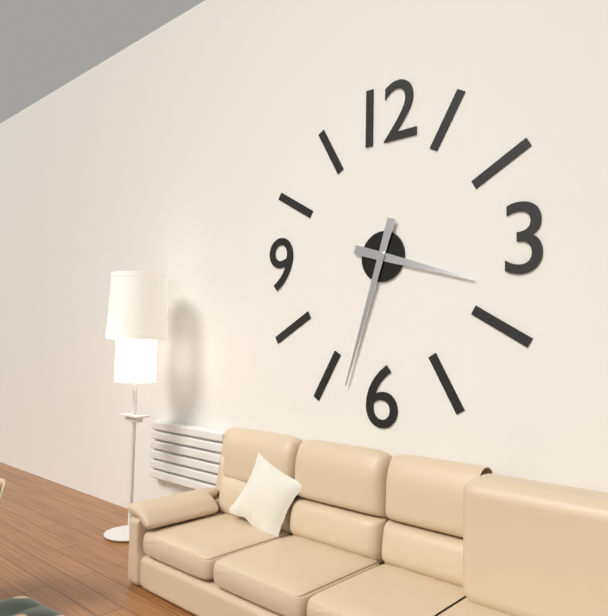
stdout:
{"hour": 3, "minute": 33}
